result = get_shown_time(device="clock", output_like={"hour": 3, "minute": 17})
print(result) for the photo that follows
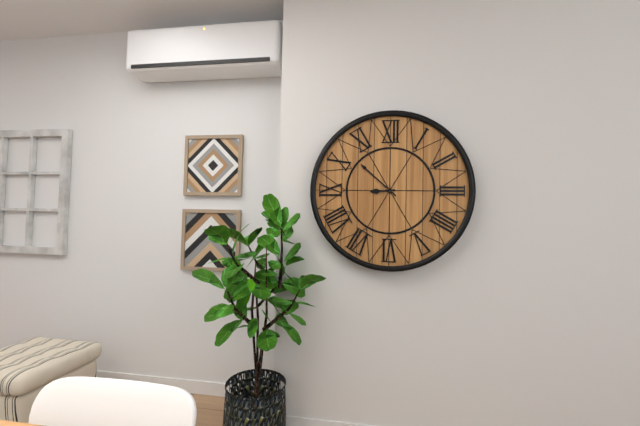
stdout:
{"hour": 8, "minute": 52}
